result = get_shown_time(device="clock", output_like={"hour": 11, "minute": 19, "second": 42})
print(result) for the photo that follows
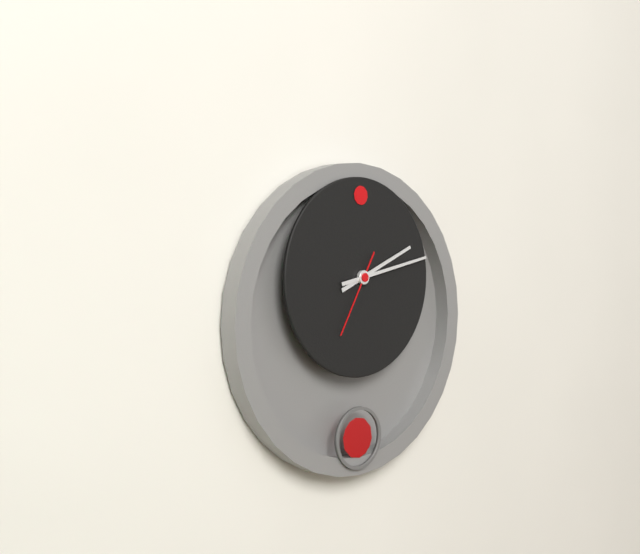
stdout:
{"hour": 2, "minute": 13, "second": 35}
